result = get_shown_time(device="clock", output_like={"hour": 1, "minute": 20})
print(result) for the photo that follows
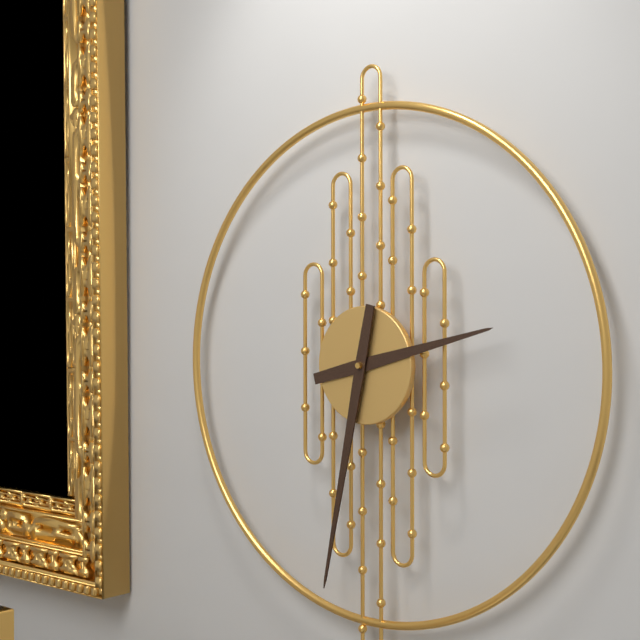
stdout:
{"hour": 2, "minute": 32}
